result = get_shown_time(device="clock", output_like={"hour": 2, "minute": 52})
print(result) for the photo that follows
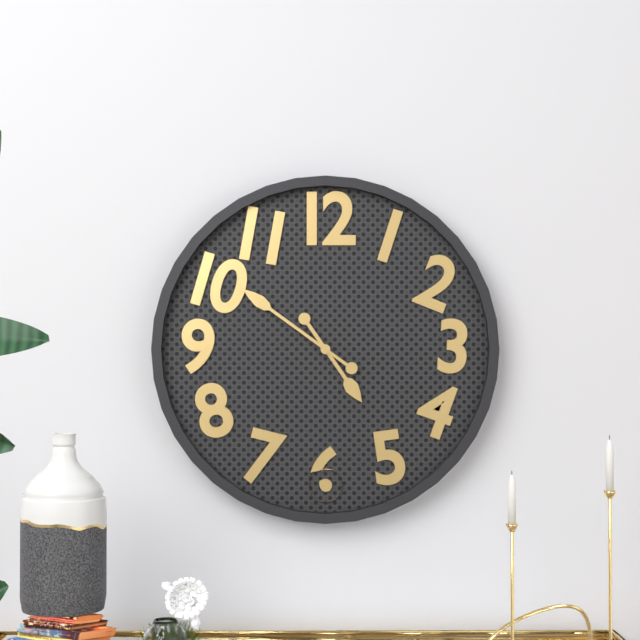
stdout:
{"hour": 4, "minute": 51}
